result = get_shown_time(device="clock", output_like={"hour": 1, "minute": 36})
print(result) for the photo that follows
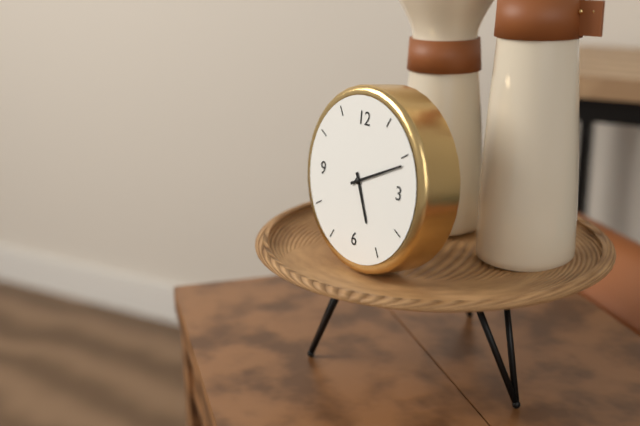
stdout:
{"hour": 5, "minute": 11}
